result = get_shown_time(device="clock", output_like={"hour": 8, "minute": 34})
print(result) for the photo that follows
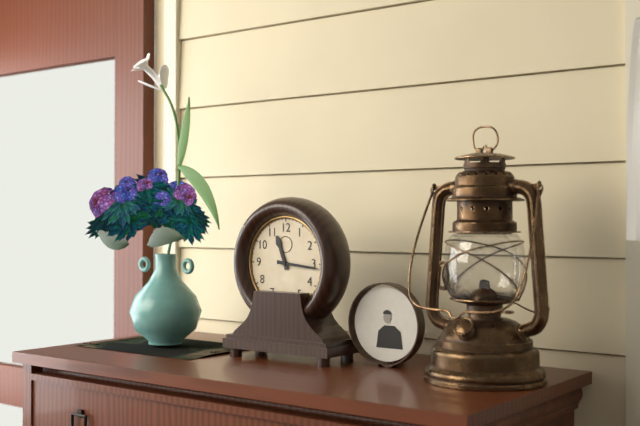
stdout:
{"hour": 11, "minute": 16}
